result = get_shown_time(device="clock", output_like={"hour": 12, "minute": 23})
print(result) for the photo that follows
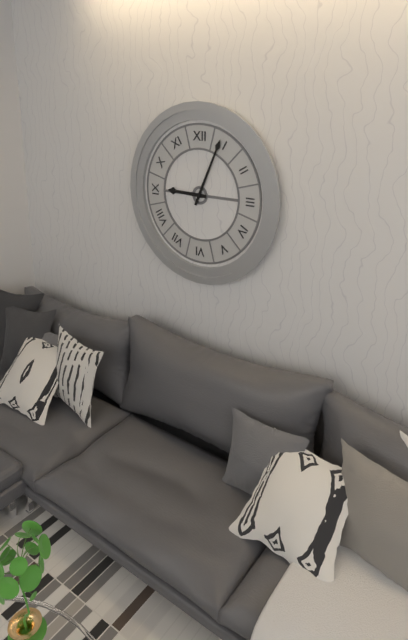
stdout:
{"hour": 9, "minute": 4}
